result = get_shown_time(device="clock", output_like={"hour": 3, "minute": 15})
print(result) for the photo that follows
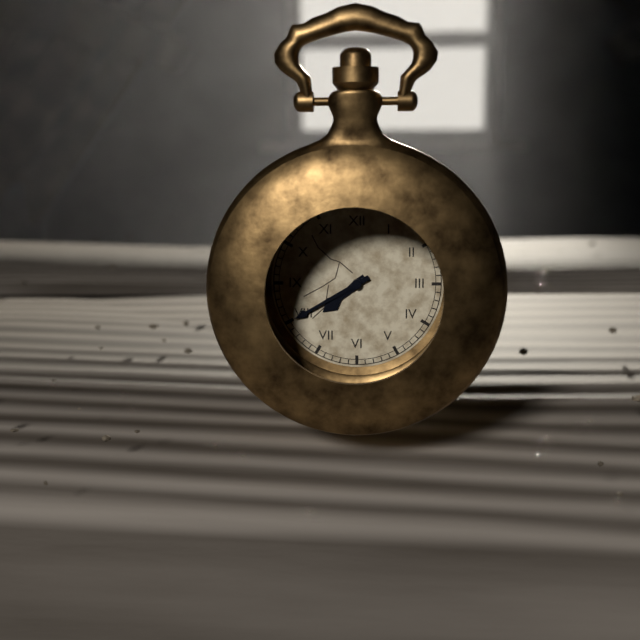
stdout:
{"hour": 7, "minute": 40}
